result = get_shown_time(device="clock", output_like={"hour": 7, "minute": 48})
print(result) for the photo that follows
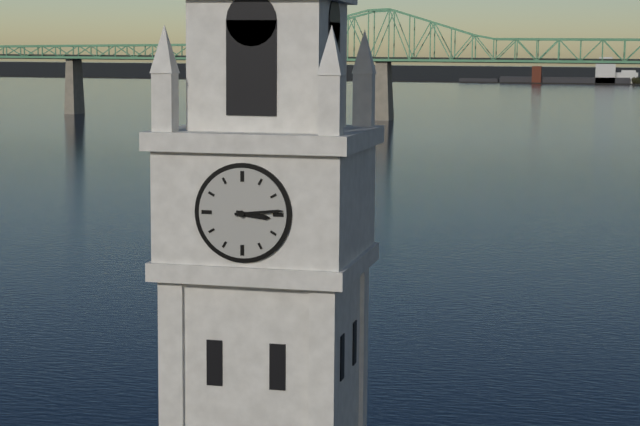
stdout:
{"hour": 3, "minute": 14}
